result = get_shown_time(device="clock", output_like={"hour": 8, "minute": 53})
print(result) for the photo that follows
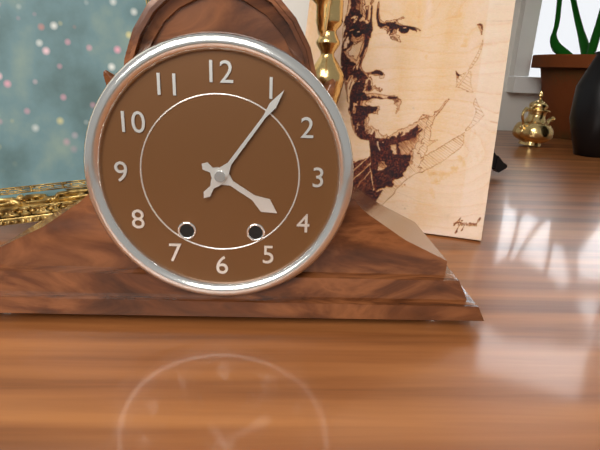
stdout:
{"hour": 4, "minute": 6}
